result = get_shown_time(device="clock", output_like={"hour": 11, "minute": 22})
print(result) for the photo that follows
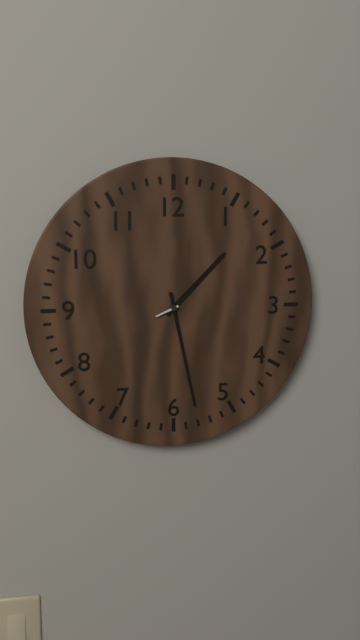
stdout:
{"hour": 1, "minute": 28}
